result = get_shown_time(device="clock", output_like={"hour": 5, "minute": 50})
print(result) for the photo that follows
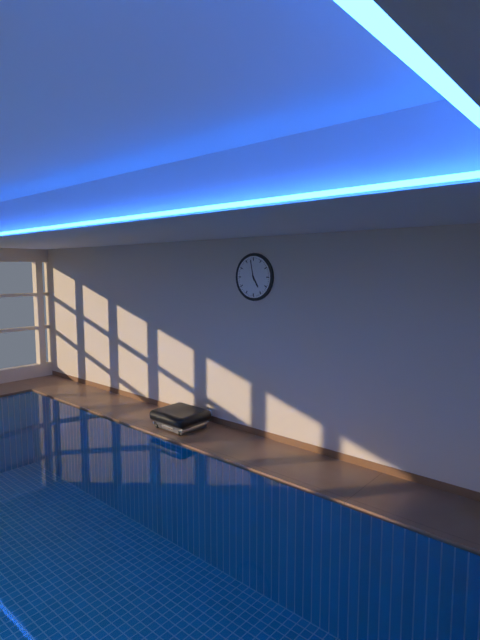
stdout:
{"hour": 4, "minute": 58}
